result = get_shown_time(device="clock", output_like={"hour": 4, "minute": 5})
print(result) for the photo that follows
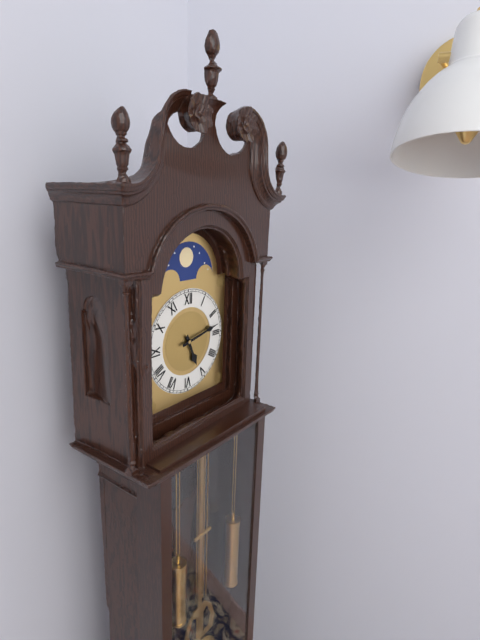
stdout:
{"hour": 5, "minute": 13}
